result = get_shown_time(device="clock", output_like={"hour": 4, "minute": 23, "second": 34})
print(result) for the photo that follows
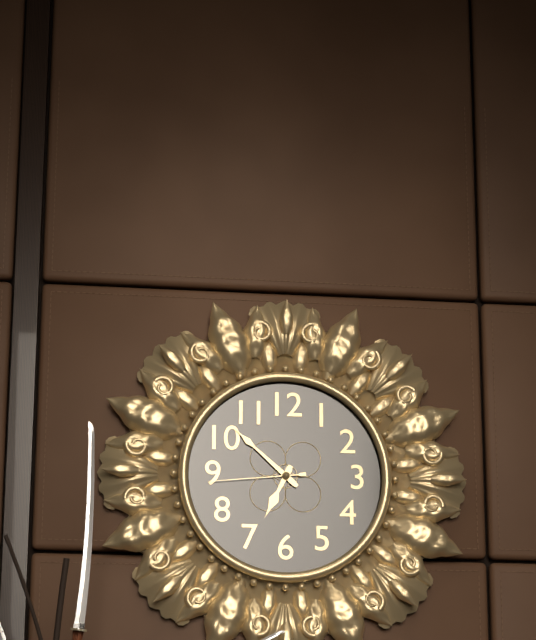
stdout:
{"hour": 6, "minute": 52, "second": 44}
